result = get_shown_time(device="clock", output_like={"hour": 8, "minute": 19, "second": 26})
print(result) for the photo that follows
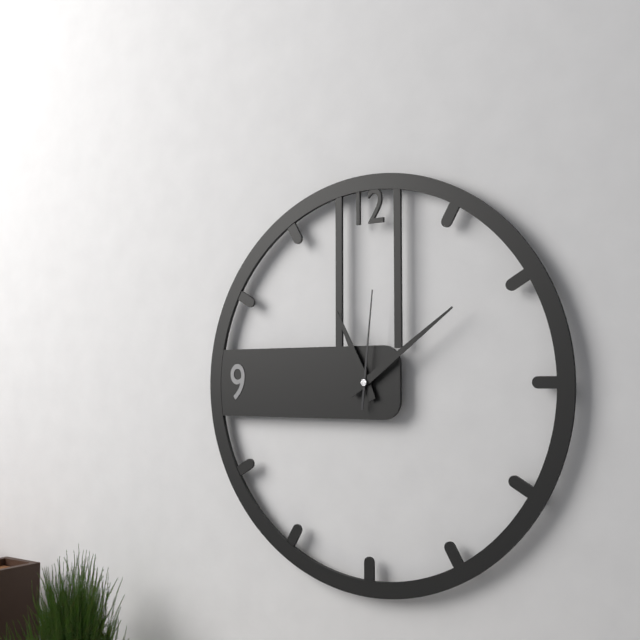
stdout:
{"hour": 11, "minute": 9, "second": 1}
